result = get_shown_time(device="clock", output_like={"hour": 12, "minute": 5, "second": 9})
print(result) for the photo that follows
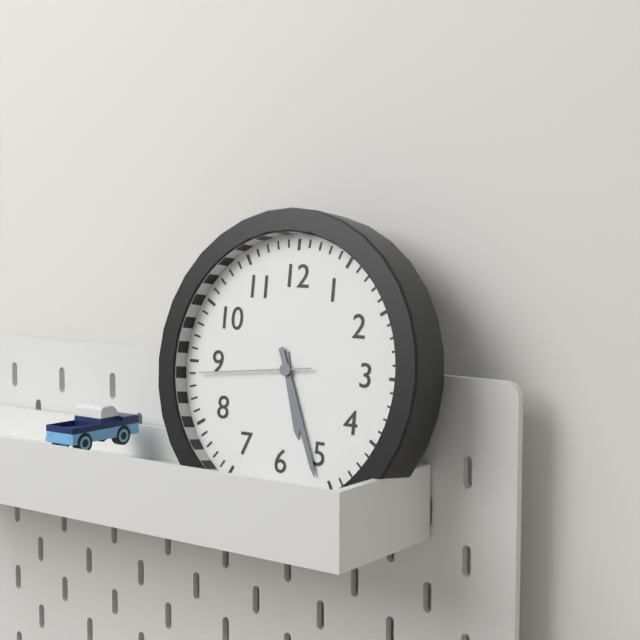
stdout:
{"hour": 5, "minute": 26, "second": 44}
